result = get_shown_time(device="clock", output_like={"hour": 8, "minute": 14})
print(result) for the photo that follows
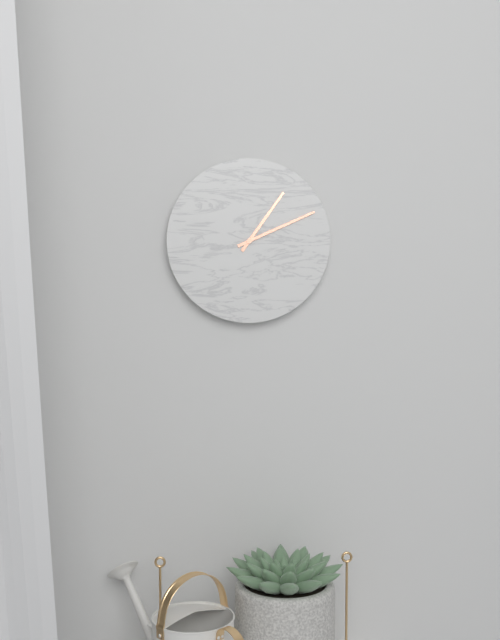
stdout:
{"hour": 1, "minute": 11}
